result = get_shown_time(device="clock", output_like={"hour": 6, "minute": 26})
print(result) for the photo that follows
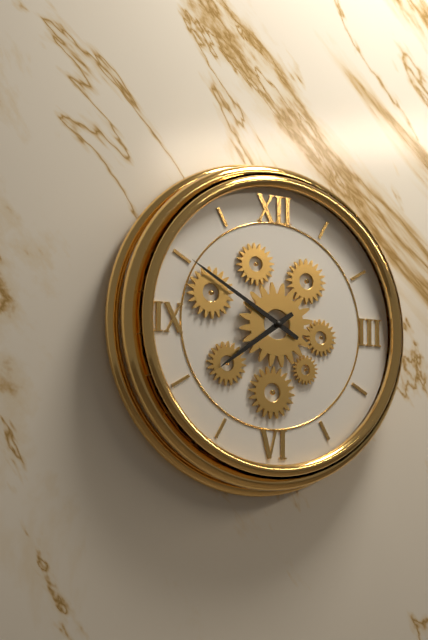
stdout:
{"hour": 7, "minute": 50}
